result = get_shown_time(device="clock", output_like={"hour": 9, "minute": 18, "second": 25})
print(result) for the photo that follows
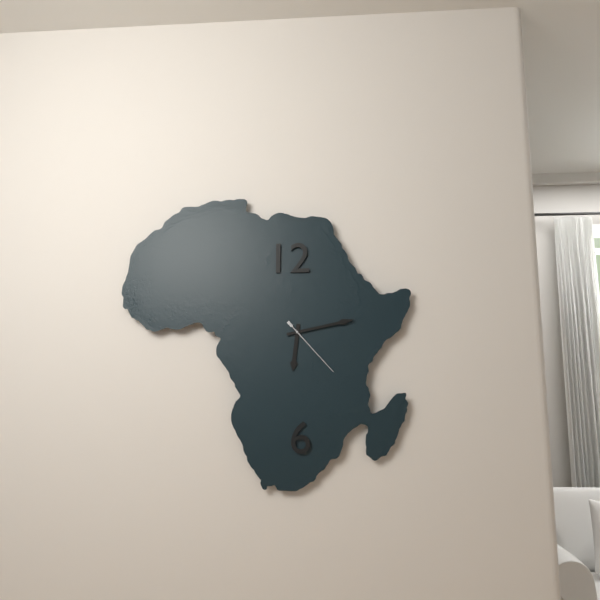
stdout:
{"hour": 6, "minute": 13, "second": 23}
